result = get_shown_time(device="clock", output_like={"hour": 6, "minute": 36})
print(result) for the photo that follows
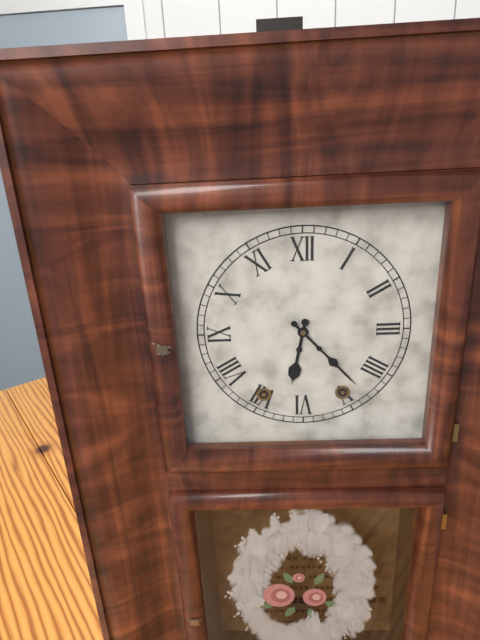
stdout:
{"hour": 6, "minute": 23}
